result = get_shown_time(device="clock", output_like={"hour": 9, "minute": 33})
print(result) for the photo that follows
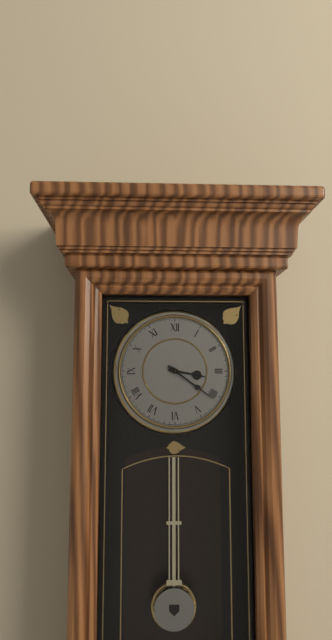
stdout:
{"hour": 3, "minute": 21}
